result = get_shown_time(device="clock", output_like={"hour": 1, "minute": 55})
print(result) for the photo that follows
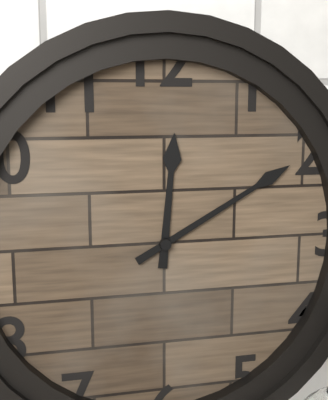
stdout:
{"hour": 12, "minute": 10}
